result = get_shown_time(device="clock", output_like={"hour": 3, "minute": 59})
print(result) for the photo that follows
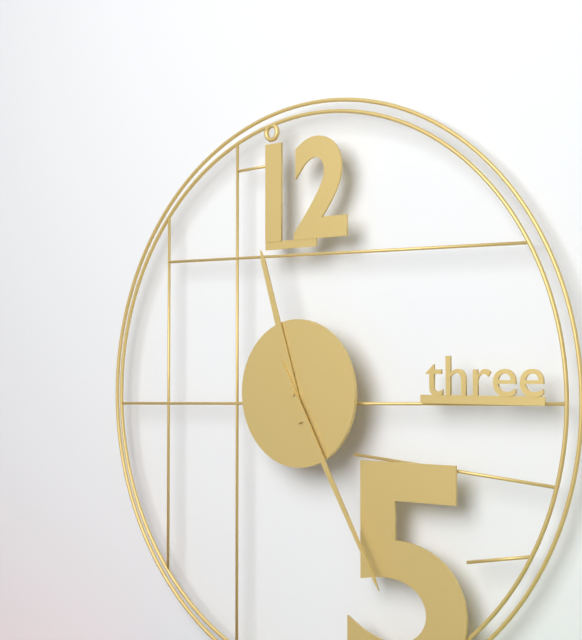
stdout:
{"hour": 11, "minute": 25}
